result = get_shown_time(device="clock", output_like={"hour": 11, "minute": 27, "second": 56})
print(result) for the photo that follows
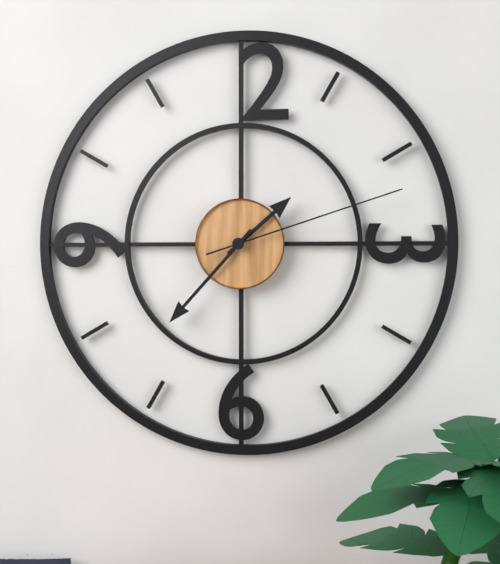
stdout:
{"hour": 1, "minute": 37, "second": 12}
